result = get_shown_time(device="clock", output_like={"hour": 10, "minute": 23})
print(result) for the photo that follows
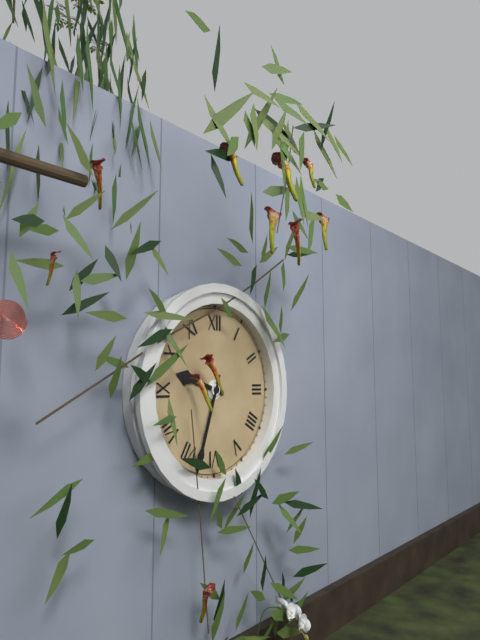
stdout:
{"hour": 9, "minute": 33}
